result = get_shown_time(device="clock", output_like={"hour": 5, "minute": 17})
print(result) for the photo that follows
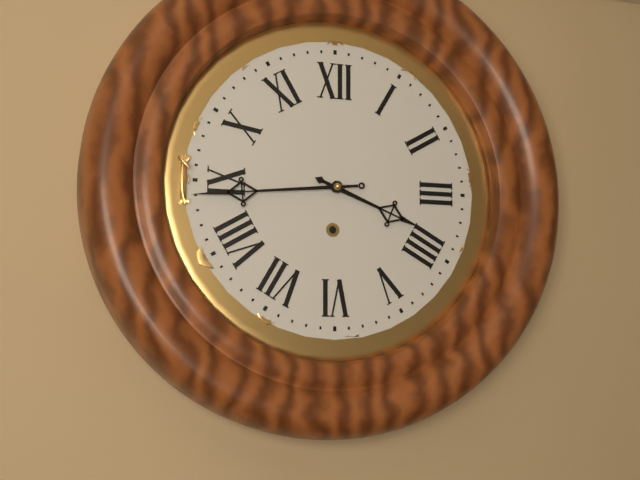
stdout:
{"hour": 3, "minute": 44}
